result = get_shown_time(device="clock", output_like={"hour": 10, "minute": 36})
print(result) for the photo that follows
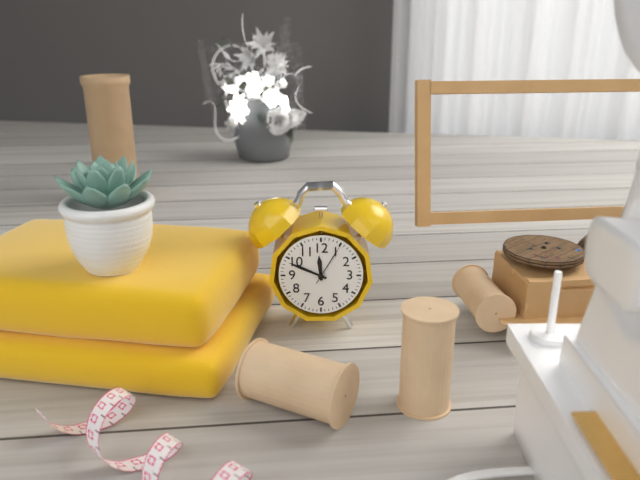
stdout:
{"hour": 11, "minute": 49}
